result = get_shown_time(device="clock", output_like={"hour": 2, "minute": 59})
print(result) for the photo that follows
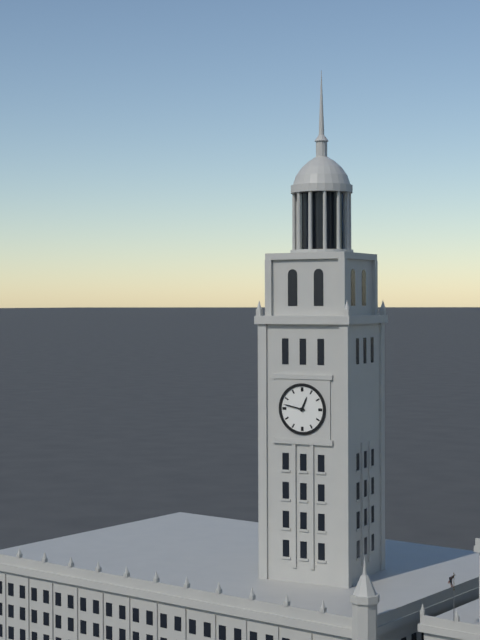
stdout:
{"hour": 12, "minute": 47}
